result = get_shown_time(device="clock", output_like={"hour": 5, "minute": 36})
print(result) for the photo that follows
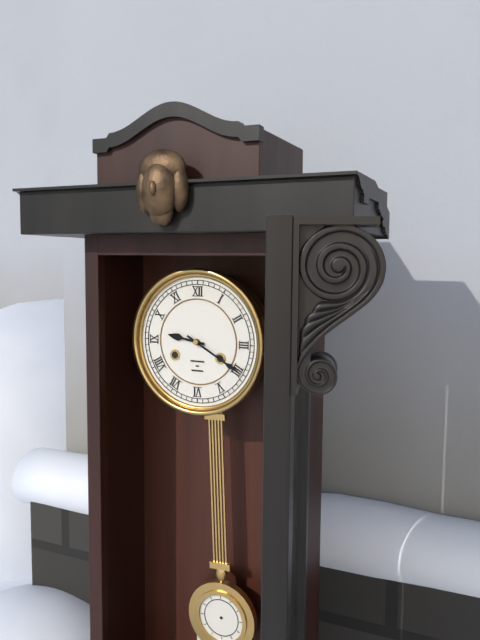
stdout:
{"hour": 9, "minute": 20}
